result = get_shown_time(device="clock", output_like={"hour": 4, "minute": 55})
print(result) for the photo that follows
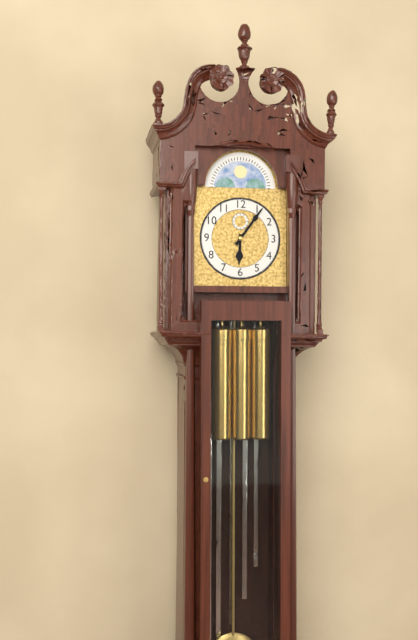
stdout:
{"hour": 6, "minute": 6}
